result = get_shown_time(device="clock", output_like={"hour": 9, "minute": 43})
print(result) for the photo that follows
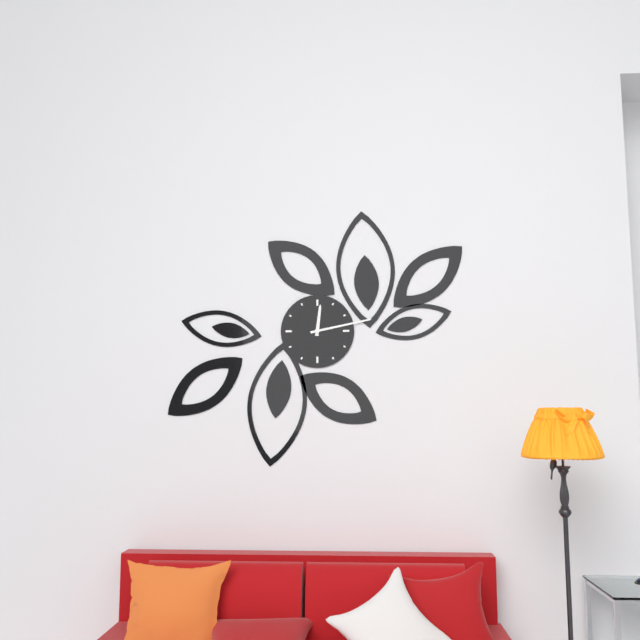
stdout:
{"hour": 12, "minute": 13}
